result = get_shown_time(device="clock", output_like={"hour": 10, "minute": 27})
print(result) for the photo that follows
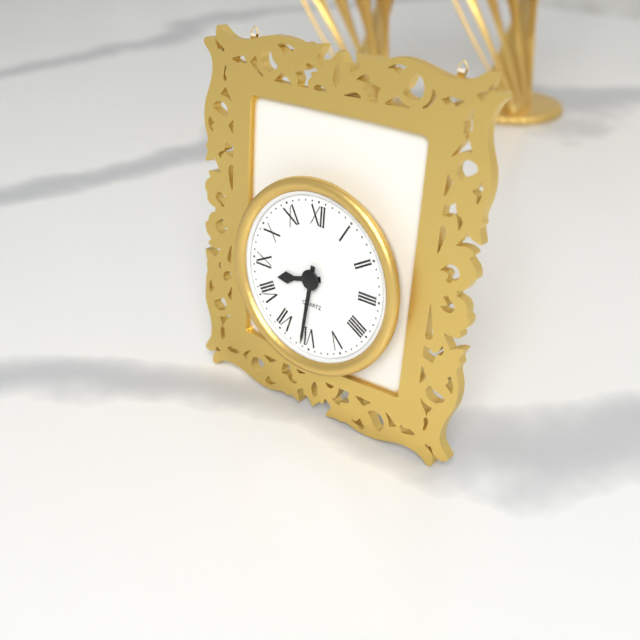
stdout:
{"hour": 8, "minute": 31}
